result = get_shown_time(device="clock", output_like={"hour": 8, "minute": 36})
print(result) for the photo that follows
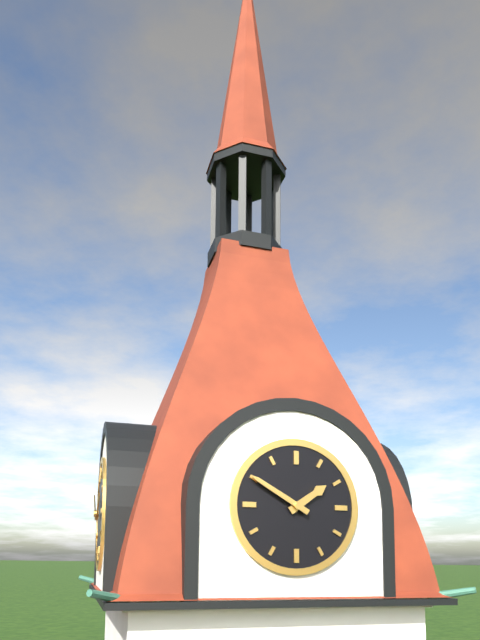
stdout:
{"hour": 1, "minute": 50}
